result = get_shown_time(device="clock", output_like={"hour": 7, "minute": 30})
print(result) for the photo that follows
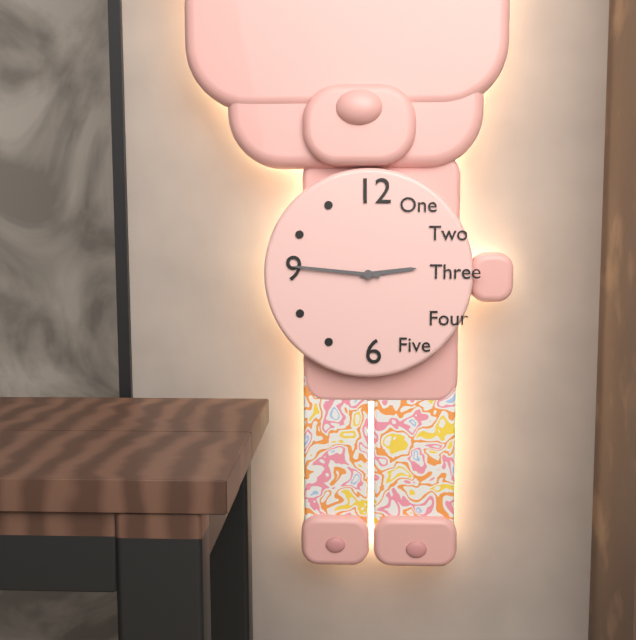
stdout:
{"hour": 2, "minute": 46}
